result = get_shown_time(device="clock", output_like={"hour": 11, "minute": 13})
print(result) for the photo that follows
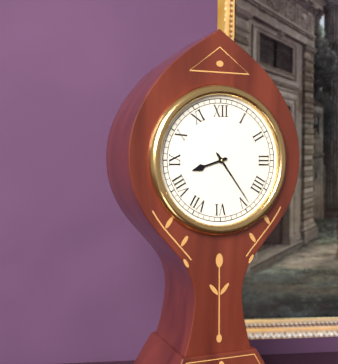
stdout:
{"hour": 8, "minute": 24}
